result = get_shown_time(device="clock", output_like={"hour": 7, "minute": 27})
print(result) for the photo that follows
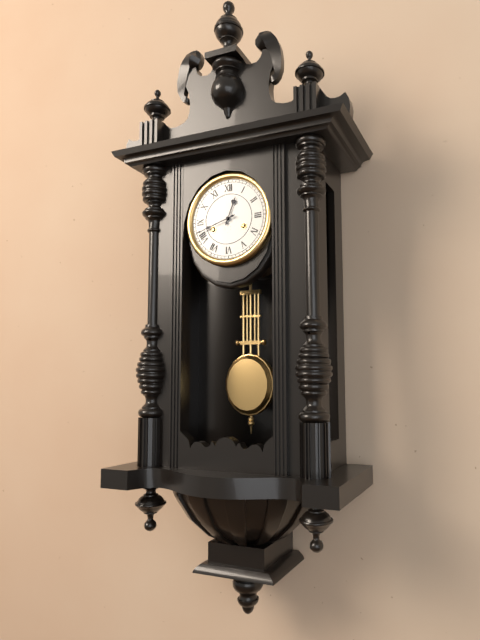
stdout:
{"hour": 12, "minute": 42}
